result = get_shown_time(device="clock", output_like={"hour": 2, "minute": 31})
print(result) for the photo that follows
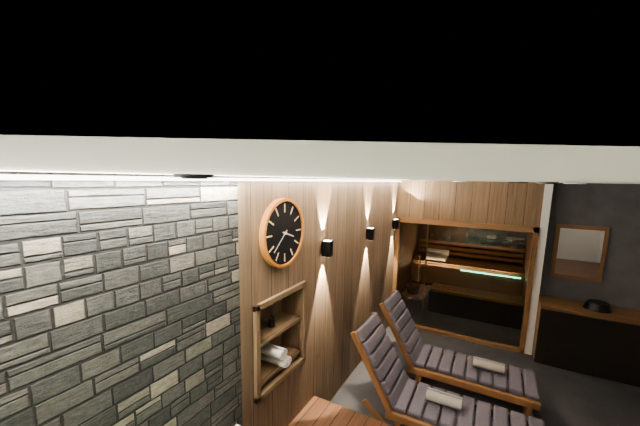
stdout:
{"hour": 3, "minute": 38}
